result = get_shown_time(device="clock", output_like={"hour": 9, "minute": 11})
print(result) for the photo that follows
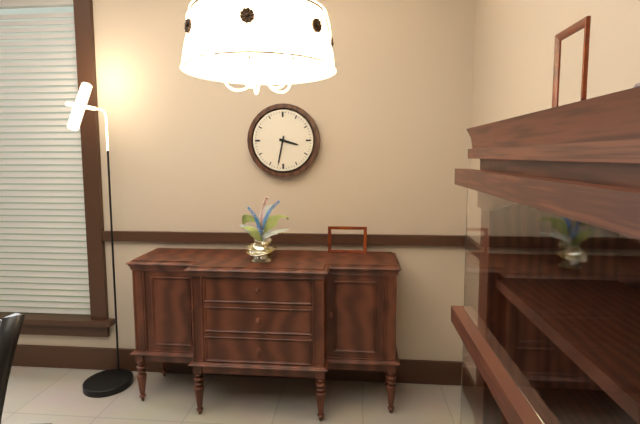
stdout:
{"hour": 3, "minute": 32}
